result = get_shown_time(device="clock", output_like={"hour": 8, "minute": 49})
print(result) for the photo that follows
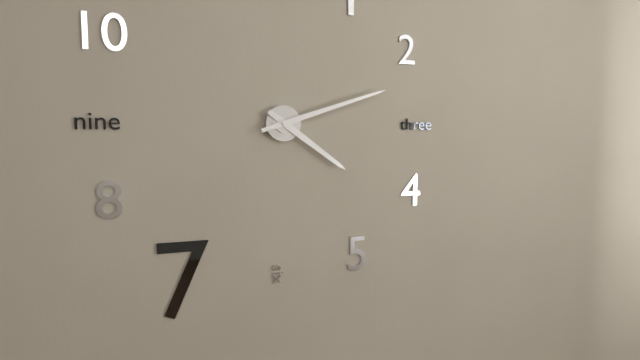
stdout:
{"hour": 4, "minute": 12}
